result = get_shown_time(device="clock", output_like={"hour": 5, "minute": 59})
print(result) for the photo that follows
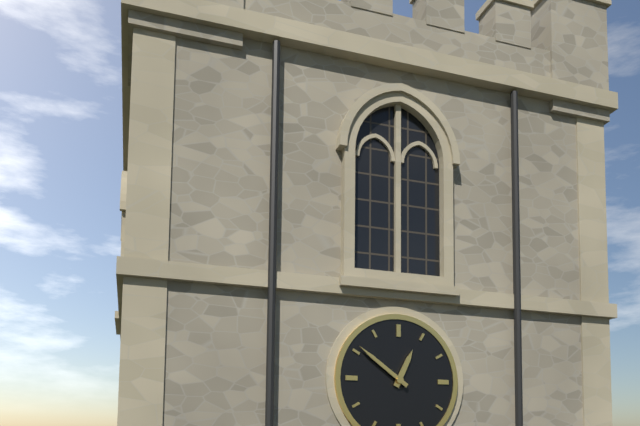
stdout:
{"hour": 12, "minute": 51}
